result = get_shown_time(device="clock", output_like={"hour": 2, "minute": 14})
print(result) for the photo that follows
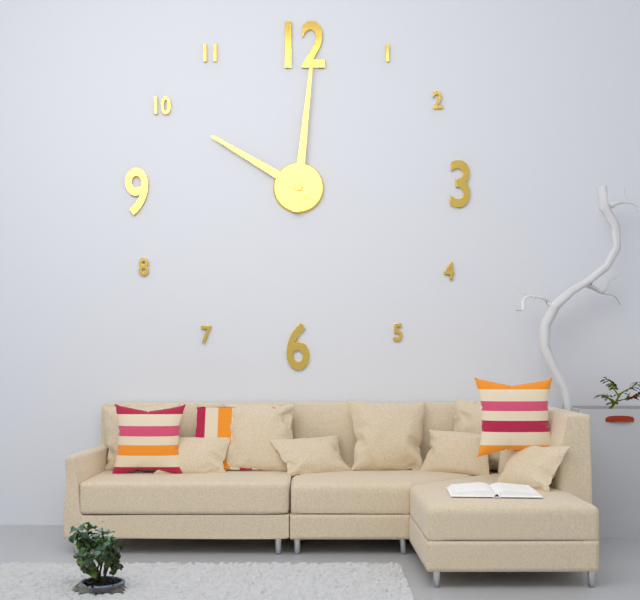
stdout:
{"hour": 10, "minute": 1}
